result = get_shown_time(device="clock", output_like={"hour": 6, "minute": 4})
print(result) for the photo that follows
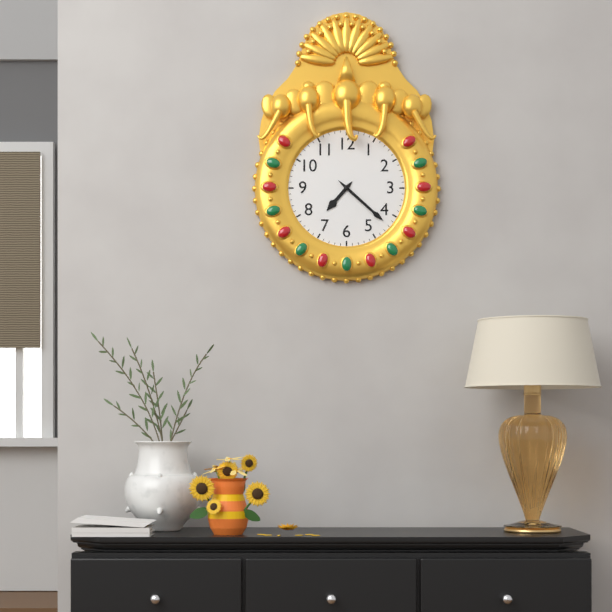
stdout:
{"hour": 7, "minute": 22}
